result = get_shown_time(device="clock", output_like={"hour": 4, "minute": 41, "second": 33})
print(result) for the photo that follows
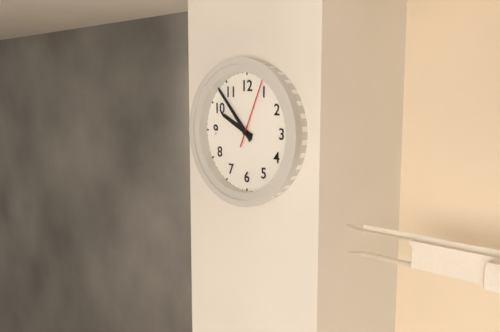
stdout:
{"hour": 9, "minute": 53, "second": 4}
